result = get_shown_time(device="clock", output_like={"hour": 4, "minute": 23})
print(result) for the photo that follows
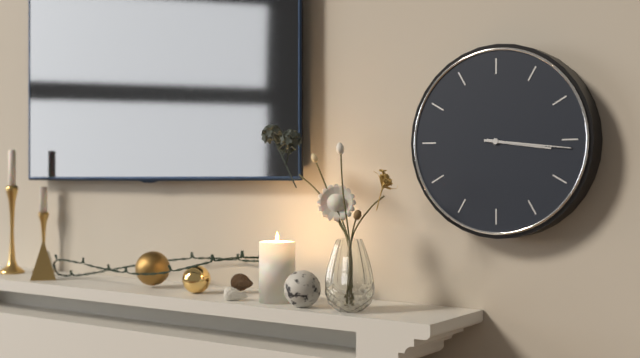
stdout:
{"hour": 3, "minute": 16}
